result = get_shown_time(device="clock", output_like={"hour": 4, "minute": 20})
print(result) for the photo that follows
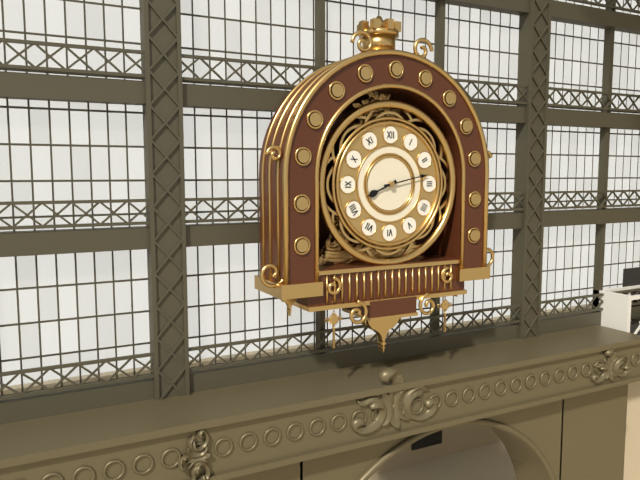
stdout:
{"hour": 8, "minute": 13}
